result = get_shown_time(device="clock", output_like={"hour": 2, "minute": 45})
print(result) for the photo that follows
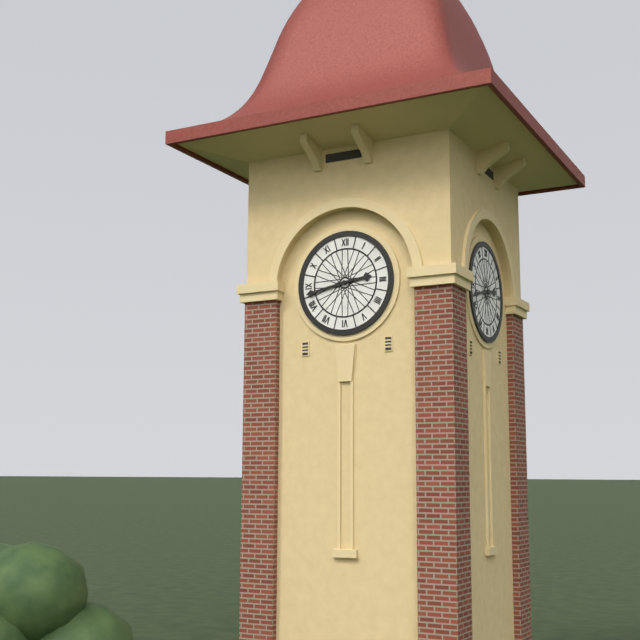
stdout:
{"hour": 2, "minute": 43}
